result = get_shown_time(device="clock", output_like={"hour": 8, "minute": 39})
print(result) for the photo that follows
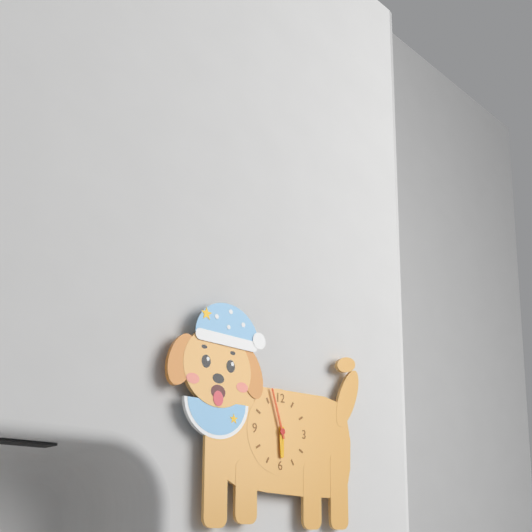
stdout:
{"hour": 5, "minute": 57}
